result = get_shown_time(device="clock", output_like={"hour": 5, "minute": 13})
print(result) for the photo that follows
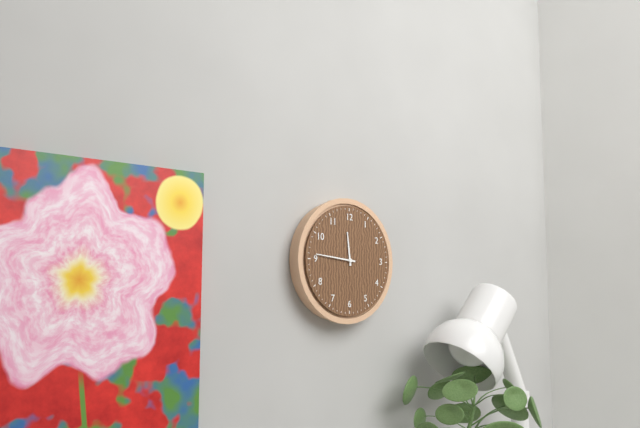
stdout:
{"hour": 11, "minute": 46}
